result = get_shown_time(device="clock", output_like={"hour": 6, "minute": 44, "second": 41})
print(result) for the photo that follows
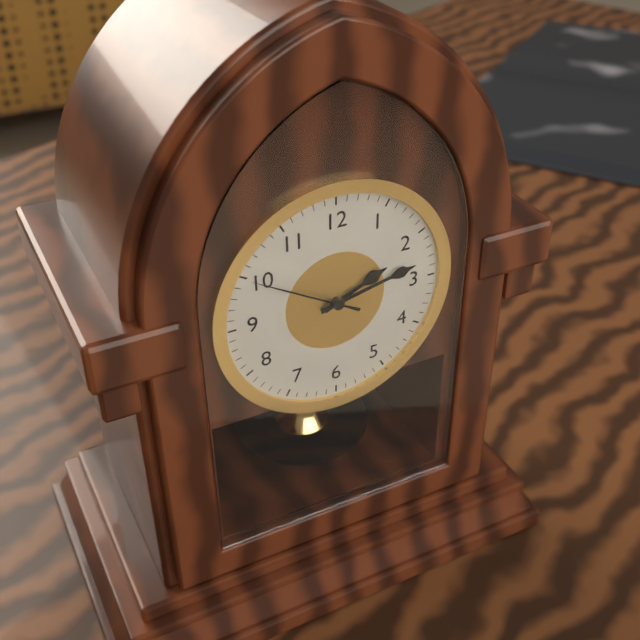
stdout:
{"hour": 2, "minute": 13, "second": 50}
